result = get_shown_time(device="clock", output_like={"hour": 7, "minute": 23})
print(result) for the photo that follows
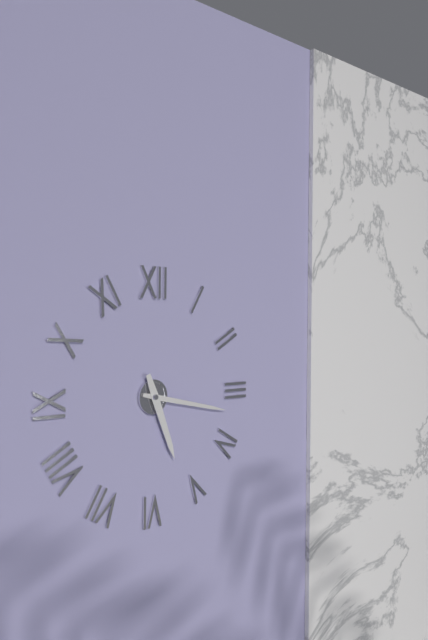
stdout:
{"hour": 5, "minute": 17}
